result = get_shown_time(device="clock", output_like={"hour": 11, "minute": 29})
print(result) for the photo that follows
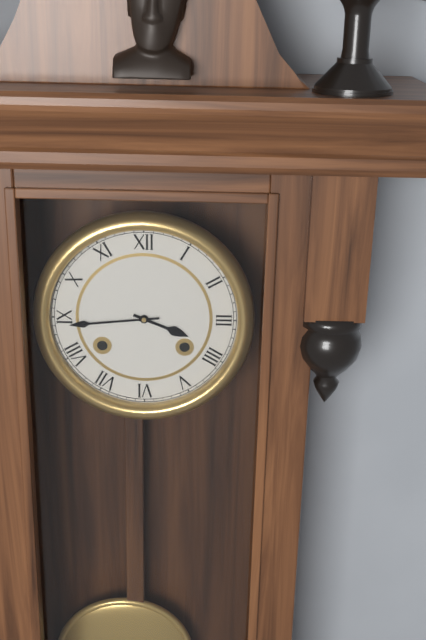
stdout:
{"hour": 3, "minute": 44}
